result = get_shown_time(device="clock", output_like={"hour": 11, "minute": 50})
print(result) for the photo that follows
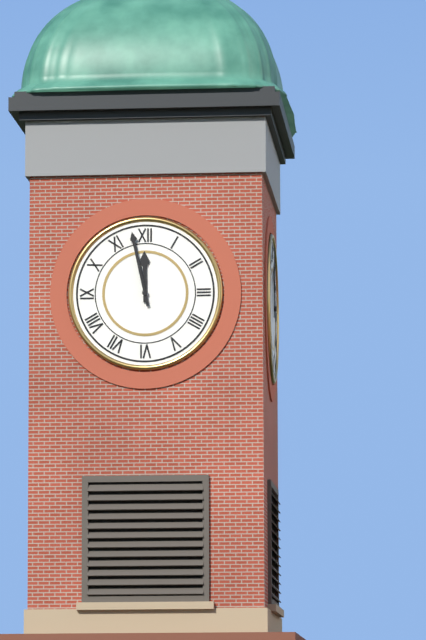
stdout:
{"hour": 11, "minute": 58}
